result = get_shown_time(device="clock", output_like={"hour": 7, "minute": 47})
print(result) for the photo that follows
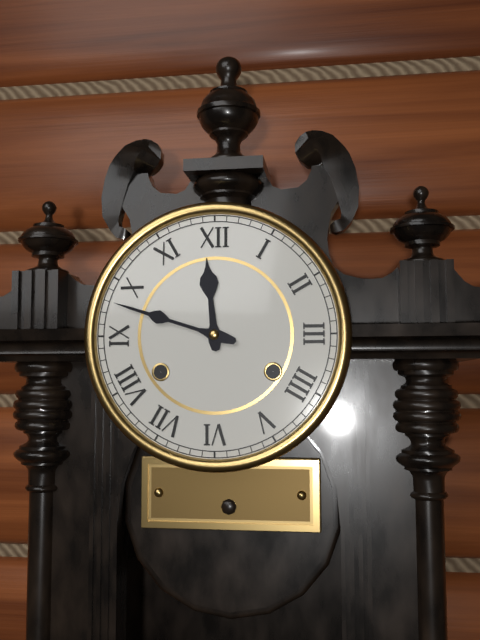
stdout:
{"hour": 11, "minute": 48}
